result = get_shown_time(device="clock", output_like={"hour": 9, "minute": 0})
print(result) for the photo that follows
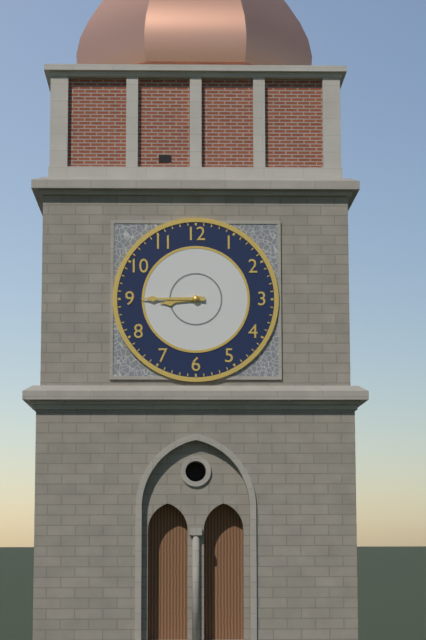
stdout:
{"hour": 8, "minute": 45}
